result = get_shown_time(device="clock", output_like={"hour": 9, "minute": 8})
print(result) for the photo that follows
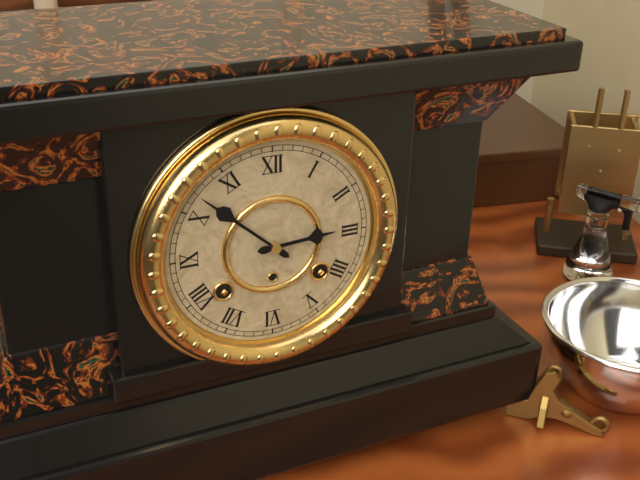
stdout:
{"hour": 2, "minute": 52}
